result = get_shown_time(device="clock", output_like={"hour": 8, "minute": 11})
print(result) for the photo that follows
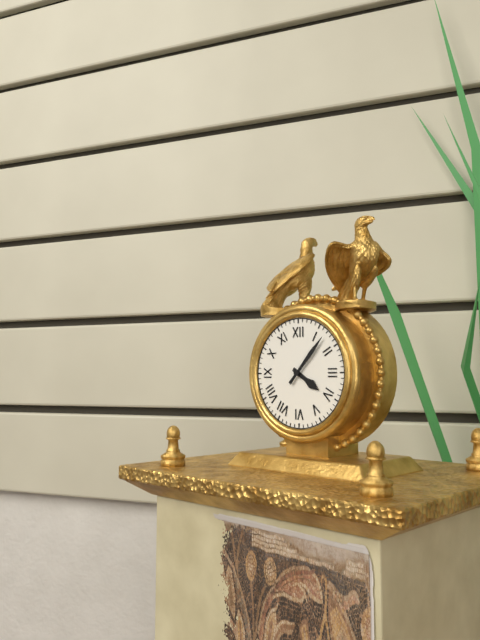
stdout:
{"hour": 4, "minute": 7}
